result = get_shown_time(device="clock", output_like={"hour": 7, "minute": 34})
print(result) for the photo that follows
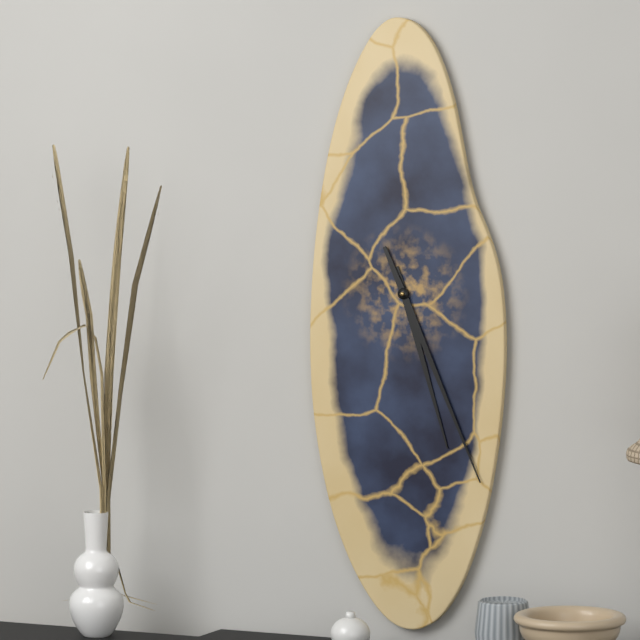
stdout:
{"hour": 5, "minute": 26}
